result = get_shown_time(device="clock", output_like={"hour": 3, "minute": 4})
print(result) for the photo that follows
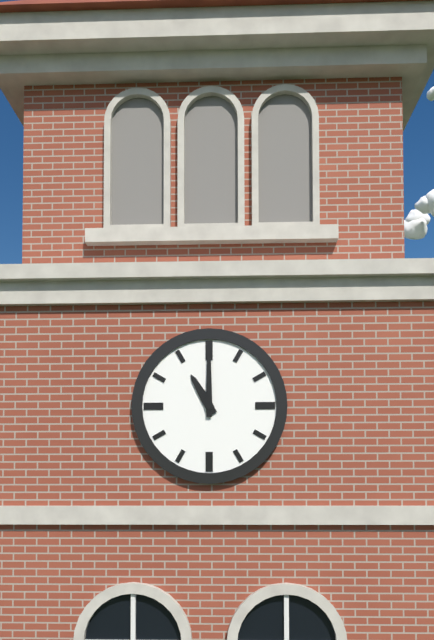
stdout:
{"hour": 11, "minute": 0}
